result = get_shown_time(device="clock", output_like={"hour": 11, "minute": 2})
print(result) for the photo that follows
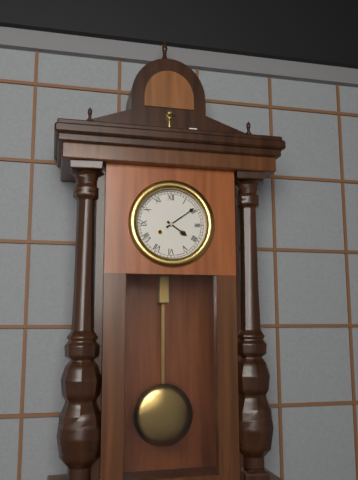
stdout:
{"hour": 4, "minute": 9}
